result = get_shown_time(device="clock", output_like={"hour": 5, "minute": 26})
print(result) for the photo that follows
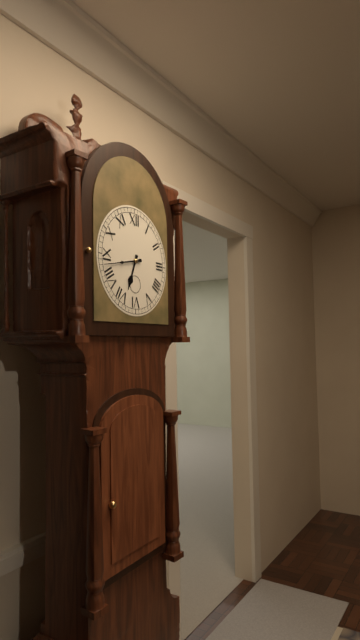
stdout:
{"hour": 6, "minute": 43}
